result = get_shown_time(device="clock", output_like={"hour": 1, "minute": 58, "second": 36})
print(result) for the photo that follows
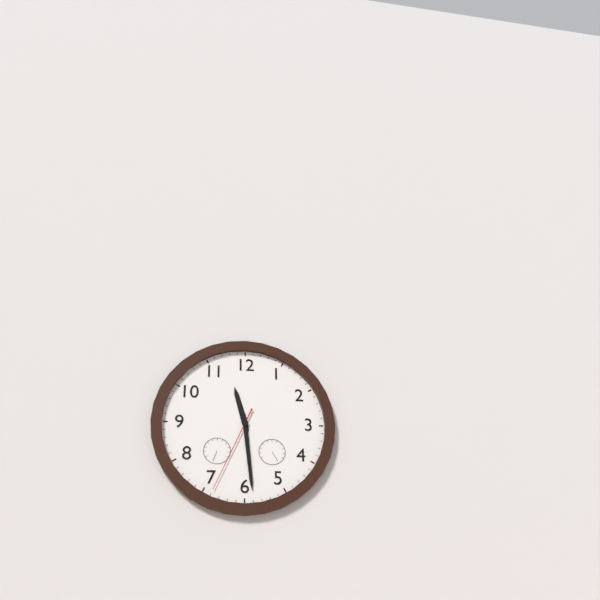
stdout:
{"hour": 11, "minute": 29, "second": 34}
